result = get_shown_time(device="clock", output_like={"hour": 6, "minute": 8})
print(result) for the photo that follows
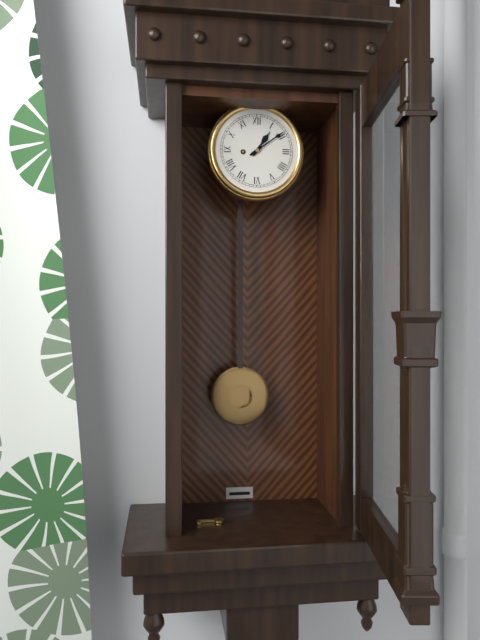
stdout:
{"hour": 1, "minute": 9}
